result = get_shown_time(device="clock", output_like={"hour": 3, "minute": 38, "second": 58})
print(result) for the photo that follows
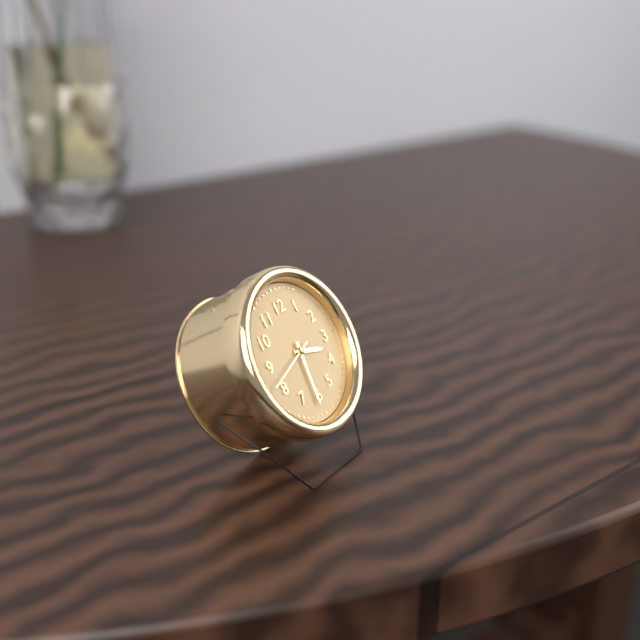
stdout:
{"hour": 3, "minute": 31, "second": 42}
